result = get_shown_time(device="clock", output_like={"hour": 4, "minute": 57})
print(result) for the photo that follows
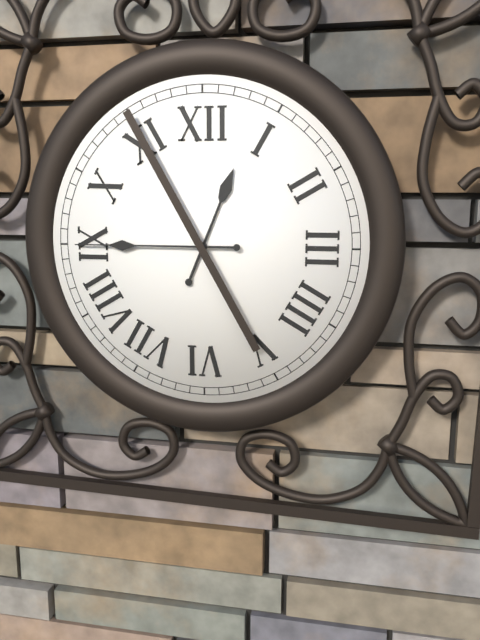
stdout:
{"hour": 12, "minute": 45}
